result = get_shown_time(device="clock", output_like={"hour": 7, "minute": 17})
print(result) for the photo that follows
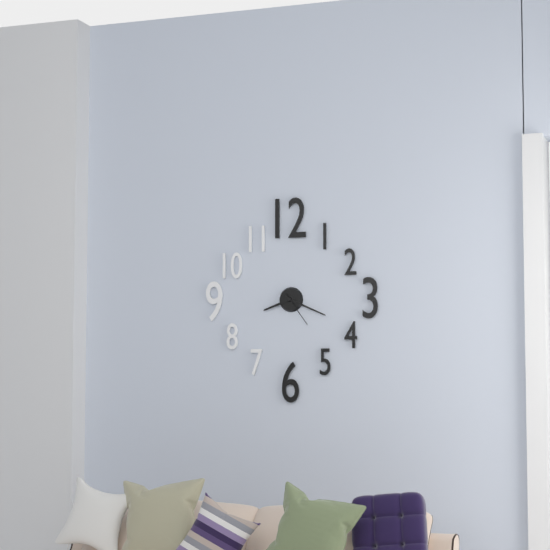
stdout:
{"hour": 8, "minute": 19}
